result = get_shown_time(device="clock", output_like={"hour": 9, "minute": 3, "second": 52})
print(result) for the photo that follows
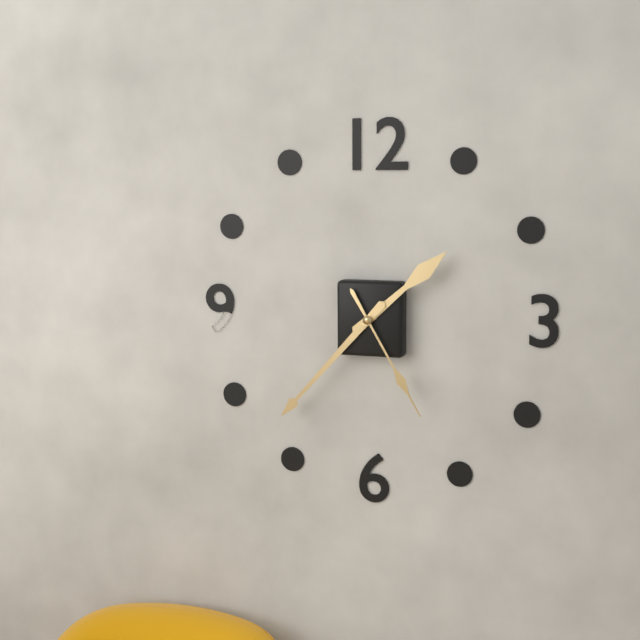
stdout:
{"hour": 1, "minute": 37, "second": 25}
